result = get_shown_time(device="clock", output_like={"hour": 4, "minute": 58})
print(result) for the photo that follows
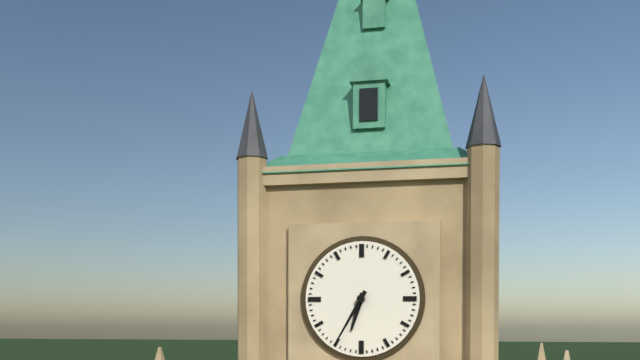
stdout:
{"hour": 6, "minute": 35}
